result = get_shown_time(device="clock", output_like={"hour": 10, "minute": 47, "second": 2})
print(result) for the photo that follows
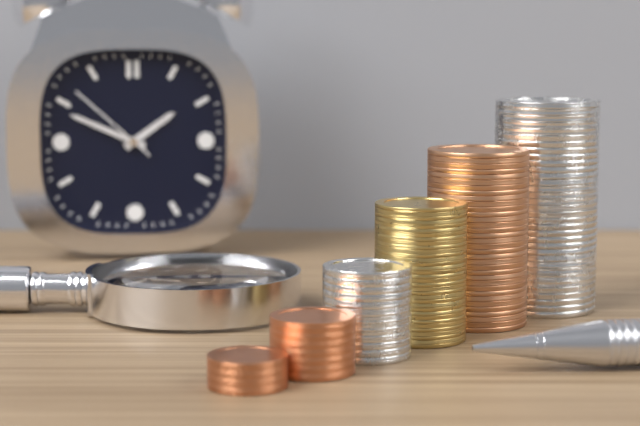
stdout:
{"hour": 1, "minute": 49, "second": 52}
